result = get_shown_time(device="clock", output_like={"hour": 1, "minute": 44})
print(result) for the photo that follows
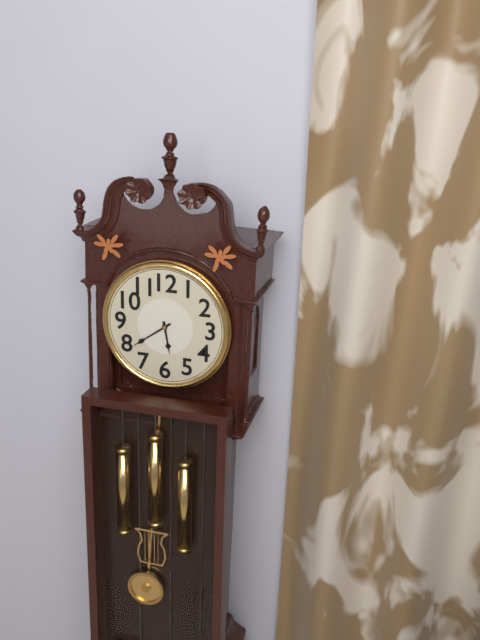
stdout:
{"hour": 5, "minute": 39}
